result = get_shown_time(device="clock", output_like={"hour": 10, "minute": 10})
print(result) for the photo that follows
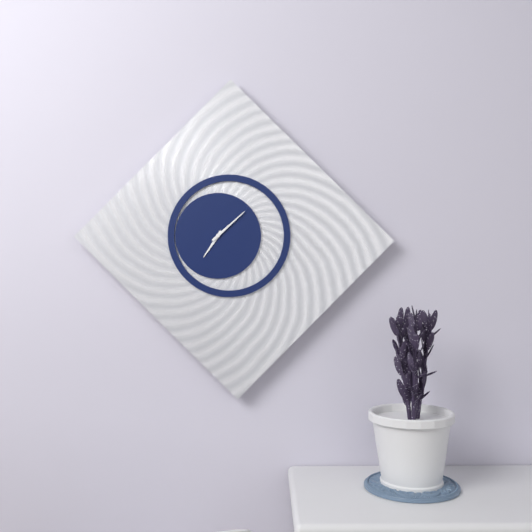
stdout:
{"hour": 7, "minute": 8}
